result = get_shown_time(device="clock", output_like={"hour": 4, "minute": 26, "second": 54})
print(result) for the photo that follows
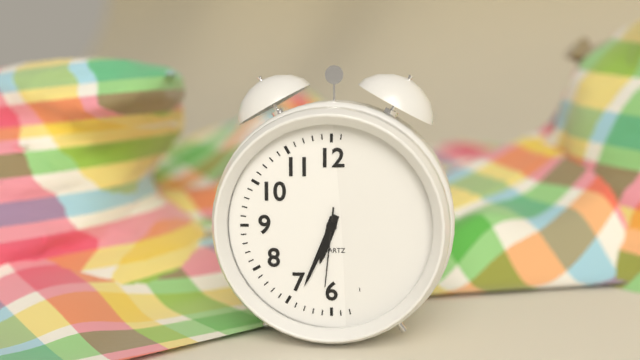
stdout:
{"hour": 6, "minute": 34, "second": 31}
